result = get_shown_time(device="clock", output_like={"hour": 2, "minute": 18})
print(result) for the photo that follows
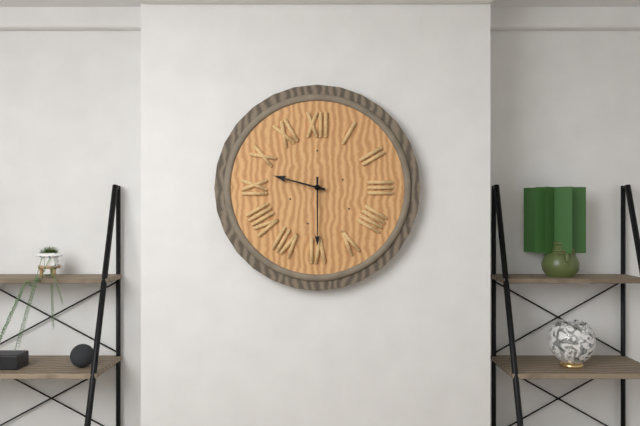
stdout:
{"hour": 9, "minute": 30}
